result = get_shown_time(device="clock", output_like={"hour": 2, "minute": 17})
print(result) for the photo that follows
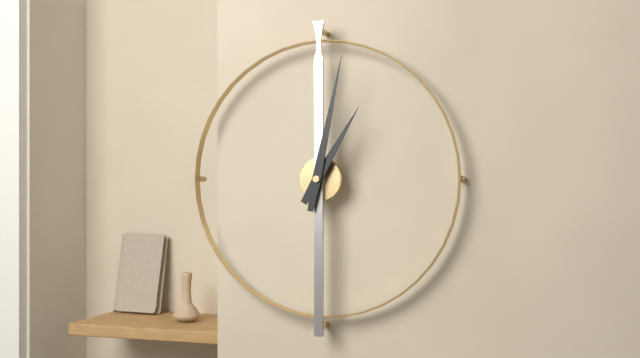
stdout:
{"hour": 1, "minute": 2}
